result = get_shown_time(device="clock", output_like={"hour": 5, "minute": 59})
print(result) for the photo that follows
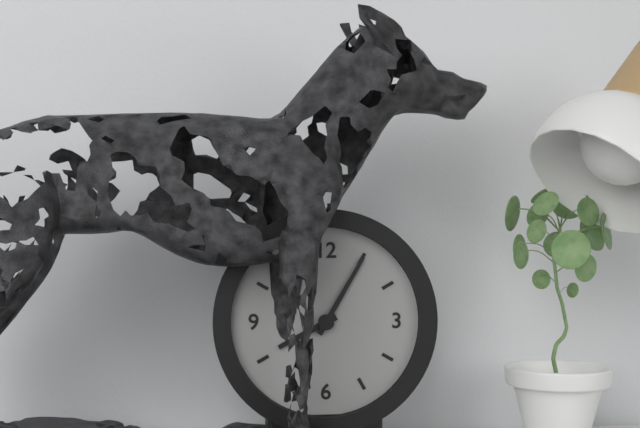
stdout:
{"hour": 8, "minute": 5}
